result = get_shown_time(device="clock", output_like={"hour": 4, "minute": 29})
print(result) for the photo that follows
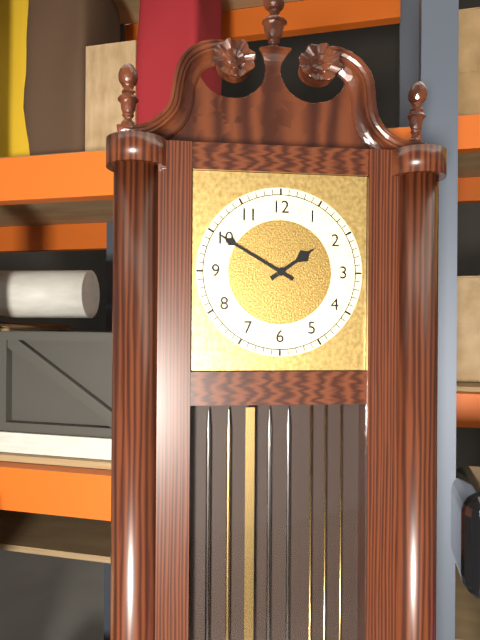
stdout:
{"hour": 1, "minute": 50}
